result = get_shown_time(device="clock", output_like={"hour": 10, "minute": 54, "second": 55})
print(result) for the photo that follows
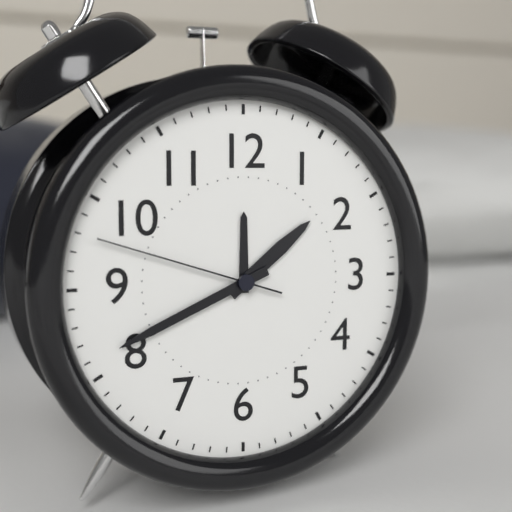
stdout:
{"hour": 1, "minute": 41, "second": 48}
